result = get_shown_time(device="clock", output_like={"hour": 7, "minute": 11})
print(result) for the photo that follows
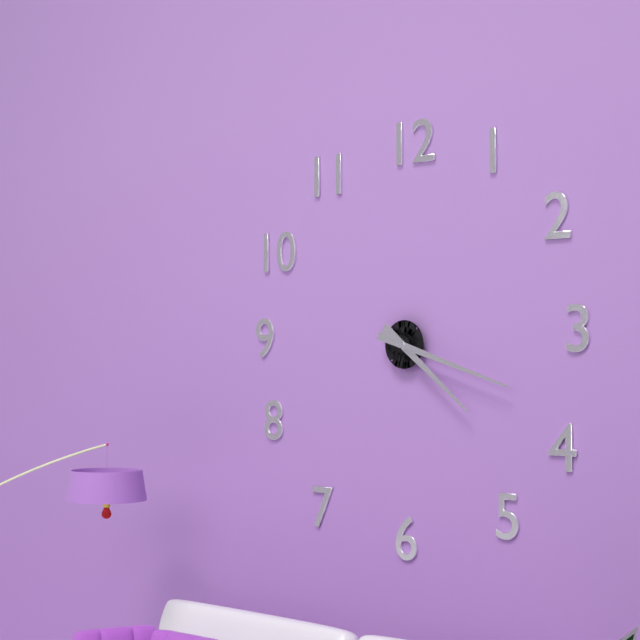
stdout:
{"hour": 4, "minute": 18}
